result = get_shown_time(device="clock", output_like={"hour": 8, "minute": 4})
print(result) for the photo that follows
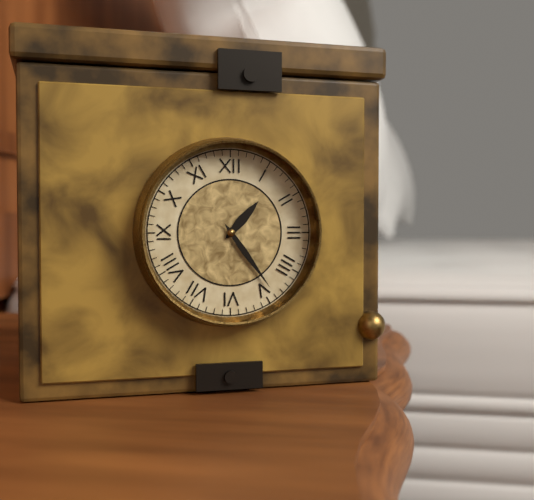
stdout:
{"hour": 1, "minute": 24}
